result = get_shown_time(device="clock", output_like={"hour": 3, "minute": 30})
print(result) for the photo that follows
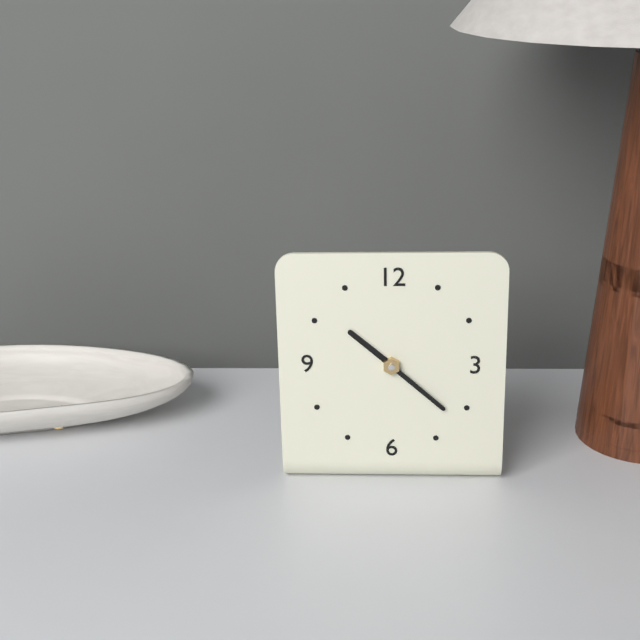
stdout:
{"hour": 10, "minute": 22}
